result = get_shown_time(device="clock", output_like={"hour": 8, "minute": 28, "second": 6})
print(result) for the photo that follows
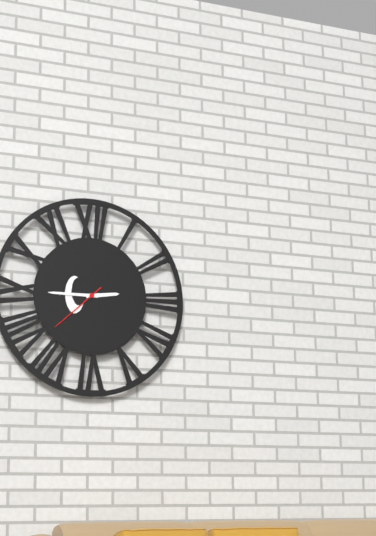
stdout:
{"hour": 2, "minute": 45, "second": 38}
